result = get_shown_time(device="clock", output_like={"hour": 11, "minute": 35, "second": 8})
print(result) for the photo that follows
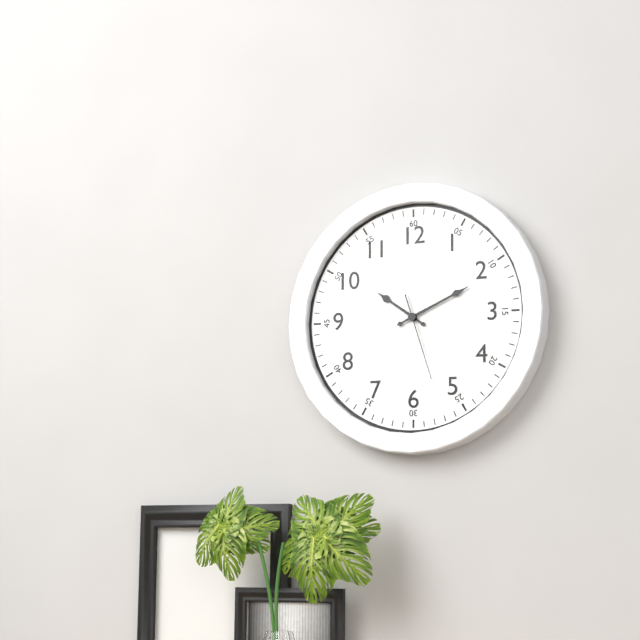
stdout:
{"hour": 10, "minute": 11, "second": 27}
